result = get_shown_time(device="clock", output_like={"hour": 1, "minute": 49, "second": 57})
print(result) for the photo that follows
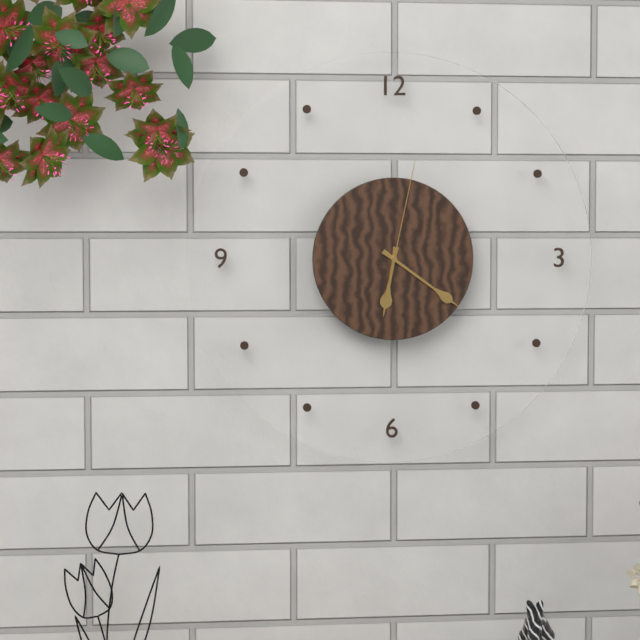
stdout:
{"hour": 6, "minute": 21, "second": 2}
